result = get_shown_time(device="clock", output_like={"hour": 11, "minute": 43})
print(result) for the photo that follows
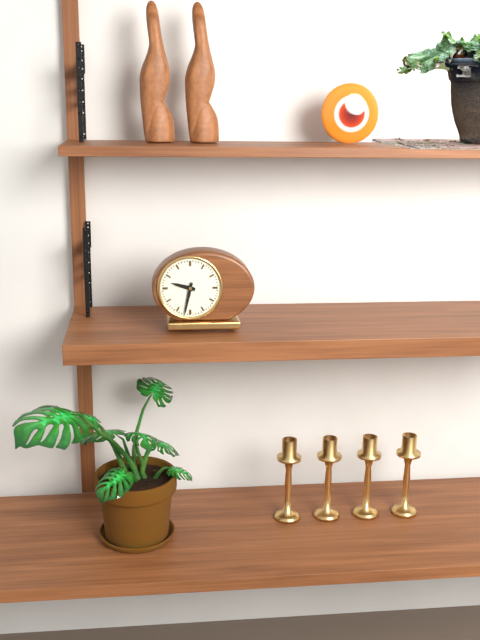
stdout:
{"hour": 9, "minute": 32}
